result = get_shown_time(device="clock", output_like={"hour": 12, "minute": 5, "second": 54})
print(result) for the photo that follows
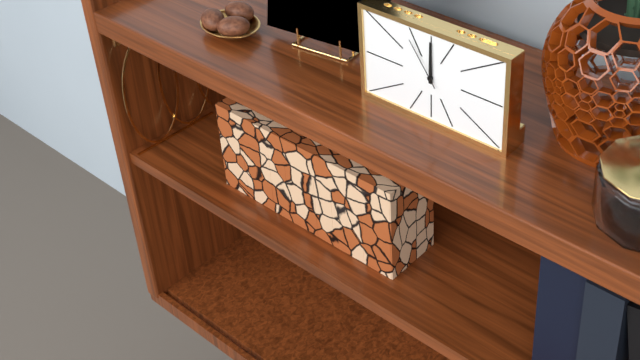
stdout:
{"hour": 12, "minute": 0, "second": 54}
